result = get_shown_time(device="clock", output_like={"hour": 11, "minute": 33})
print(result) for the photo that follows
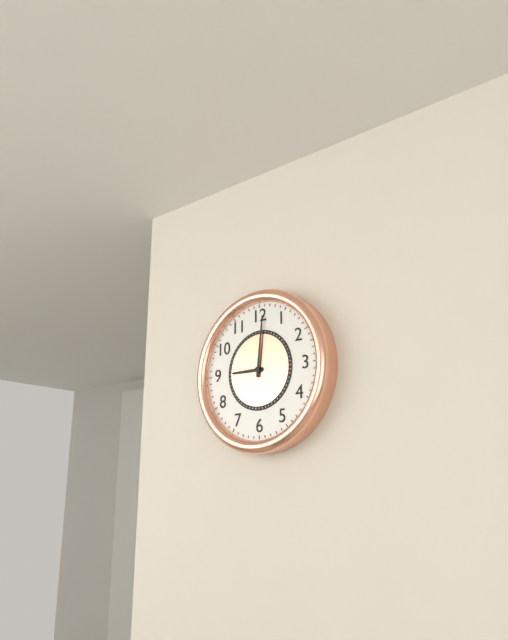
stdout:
{"hour": 9, "minute": 1}
